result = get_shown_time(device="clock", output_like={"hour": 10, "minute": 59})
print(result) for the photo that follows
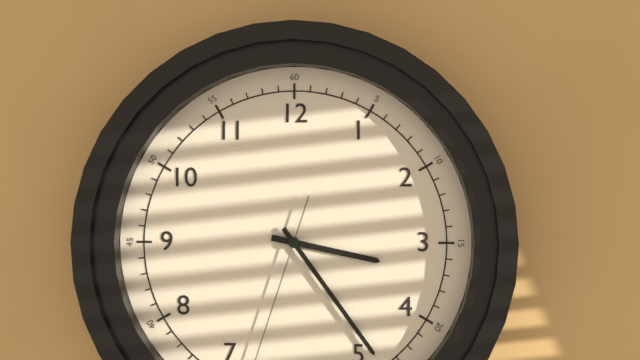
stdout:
{"hour": 3, "minute": 24}
